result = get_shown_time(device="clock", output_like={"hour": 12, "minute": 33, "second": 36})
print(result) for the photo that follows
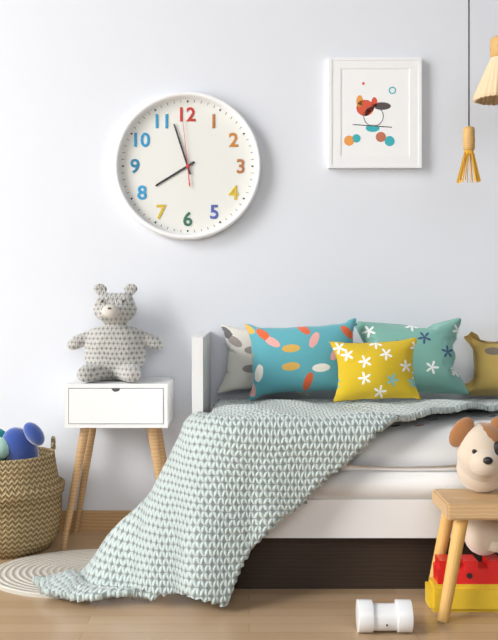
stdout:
{"hour": 7, "minute": 57, "second": 59}
